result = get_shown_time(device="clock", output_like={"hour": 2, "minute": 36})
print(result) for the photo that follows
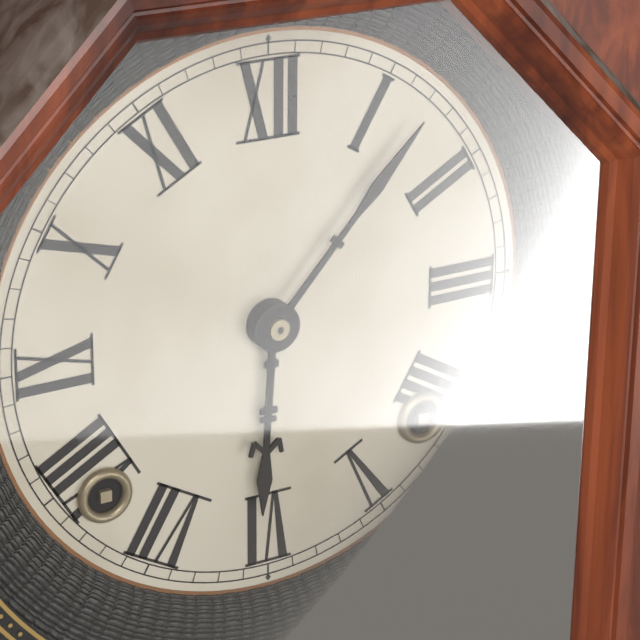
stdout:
{"hour": 6, "minute": 7}
